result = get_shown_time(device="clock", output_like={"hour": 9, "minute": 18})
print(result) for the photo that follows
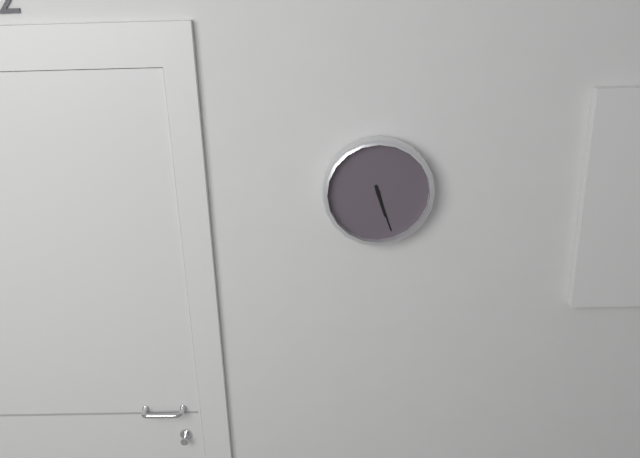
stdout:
{"hour": 5, "minute": 27}
